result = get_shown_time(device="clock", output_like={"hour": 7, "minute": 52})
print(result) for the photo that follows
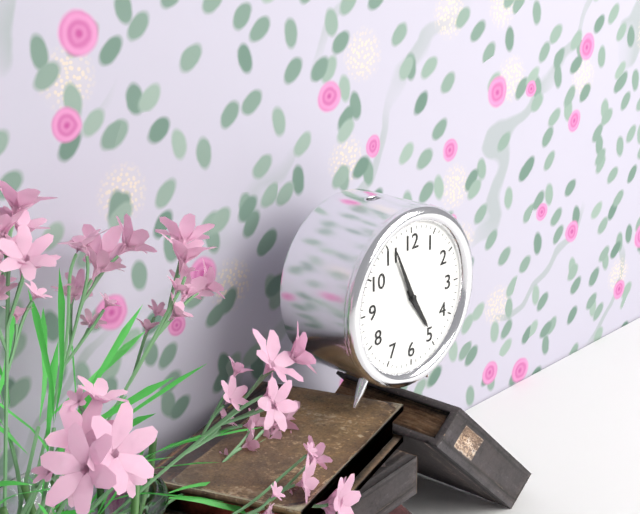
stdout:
{"hour": 4, "minute": 56}
